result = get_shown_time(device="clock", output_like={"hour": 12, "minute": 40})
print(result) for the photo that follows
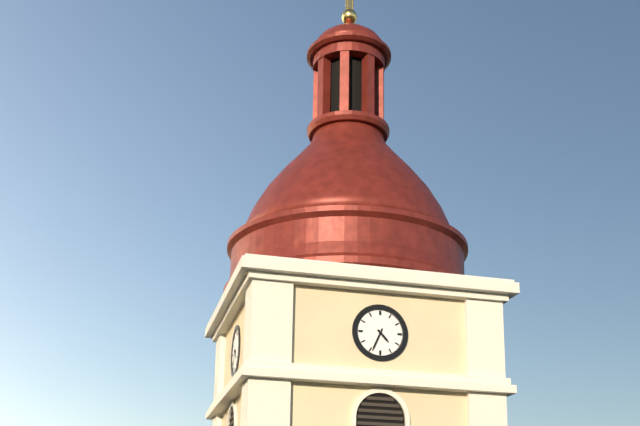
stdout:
{"hour": 4, "minute": 34}
